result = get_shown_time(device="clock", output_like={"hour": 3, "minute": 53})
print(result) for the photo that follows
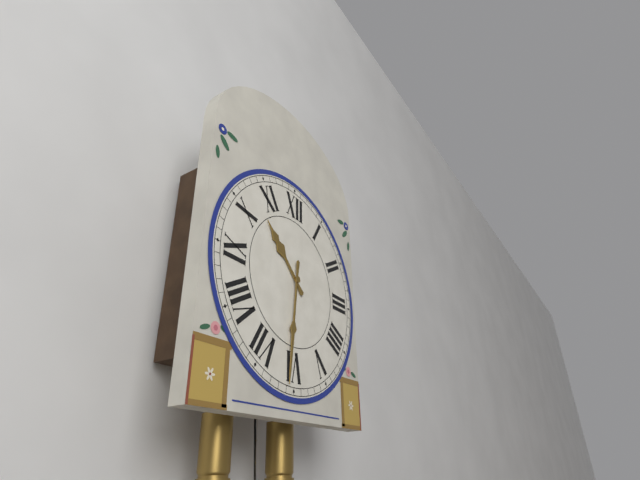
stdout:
{"hour": 10, "minute": 31}
